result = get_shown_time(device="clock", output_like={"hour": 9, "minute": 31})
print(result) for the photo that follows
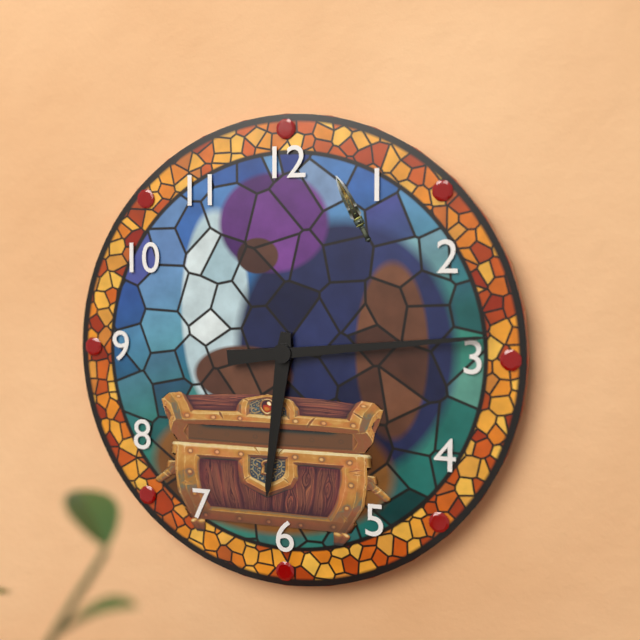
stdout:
{"hour": 6, "minute": 14}
